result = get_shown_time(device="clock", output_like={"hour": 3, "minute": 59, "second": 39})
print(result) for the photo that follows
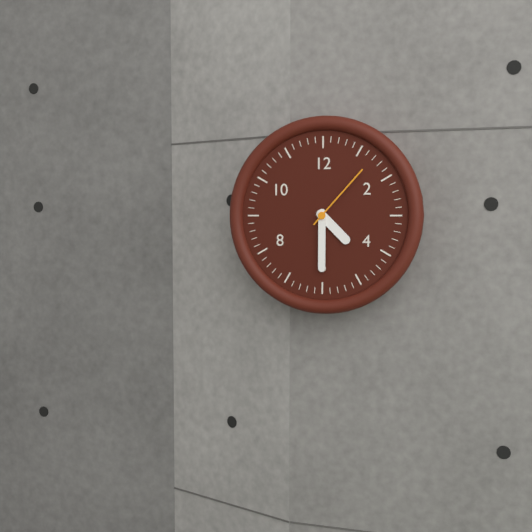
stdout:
{"hour": 4, "minute": 30, "second": 7}
